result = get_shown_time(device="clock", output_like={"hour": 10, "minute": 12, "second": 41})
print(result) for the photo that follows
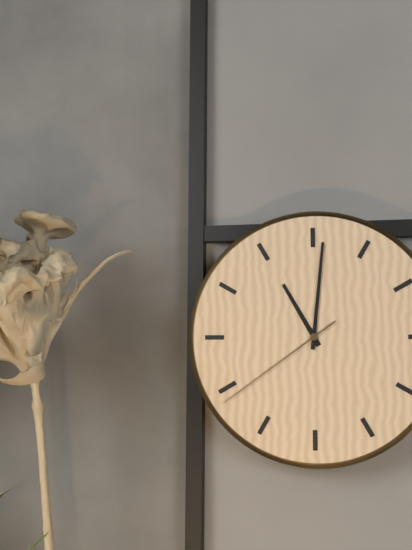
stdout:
{"hour": 11, "minute": 1, "second": 39}
